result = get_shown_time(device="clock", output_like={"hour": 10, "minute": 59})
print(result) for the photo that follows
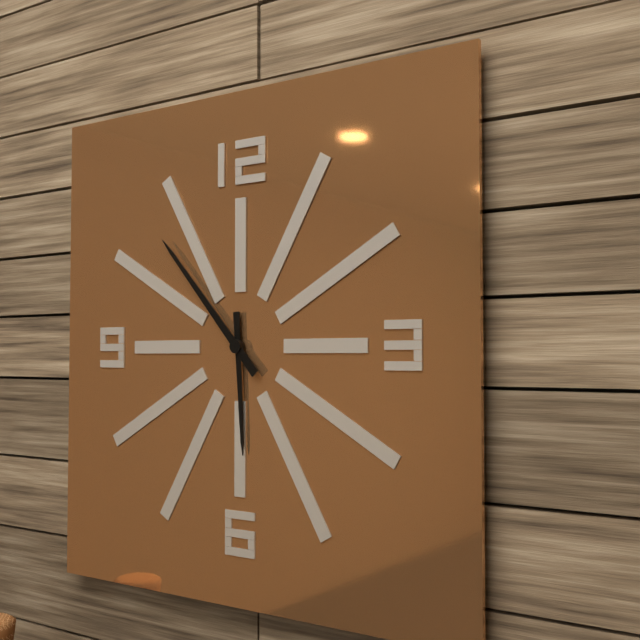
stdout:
{"hour": 5, "minute": 53}
